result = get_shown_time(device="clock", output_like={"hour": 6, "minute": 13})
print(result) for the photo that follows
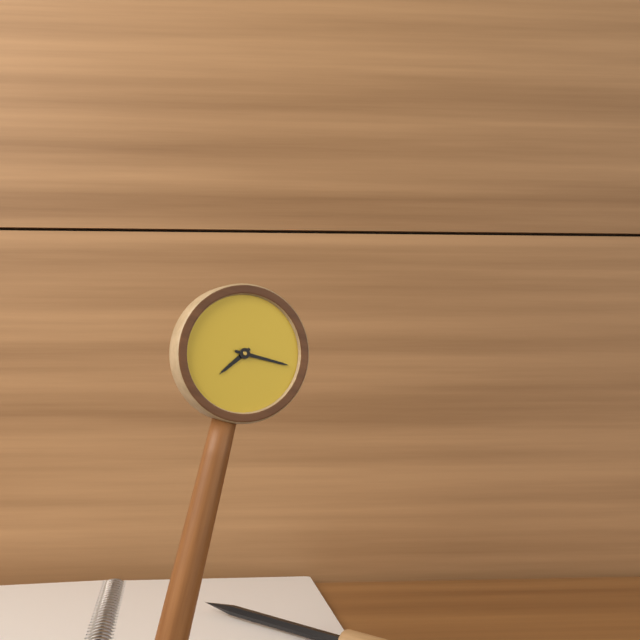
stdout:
{"hour": 7, "minute": 15}
